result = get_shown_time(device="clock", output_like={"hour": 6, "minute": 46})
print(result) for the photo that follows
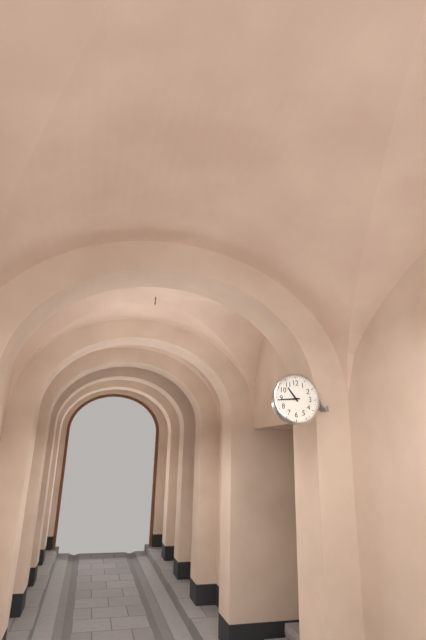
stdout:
{"hour": 10, "minute": 44}
